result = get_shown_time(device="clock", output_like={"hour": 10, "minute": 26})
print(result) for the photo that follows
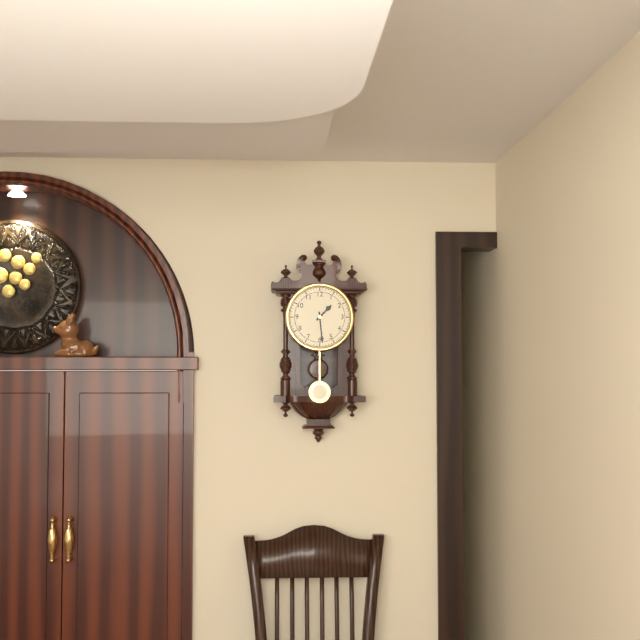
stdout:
{"hour": 1, "minute": 29}
